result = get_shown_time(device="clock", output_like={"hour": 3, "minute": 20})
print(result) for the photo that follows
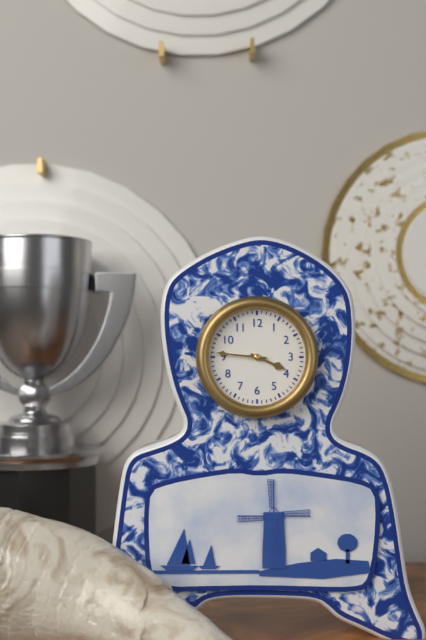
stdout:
{"hour": 3, "minute": 46}
